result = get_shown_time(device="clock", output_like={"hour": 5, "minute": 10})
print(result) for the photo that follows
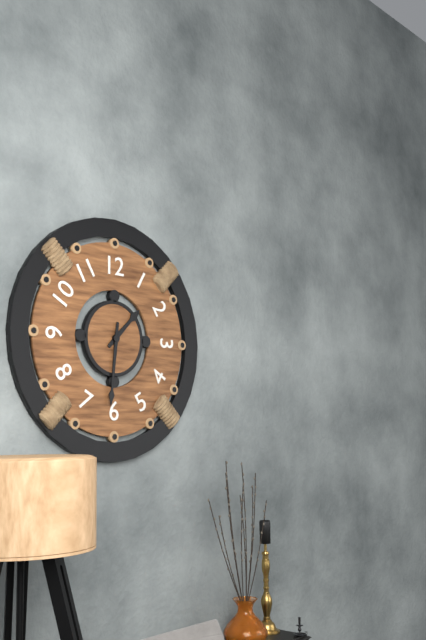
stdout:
{"hour": 1, "minute": 31}
